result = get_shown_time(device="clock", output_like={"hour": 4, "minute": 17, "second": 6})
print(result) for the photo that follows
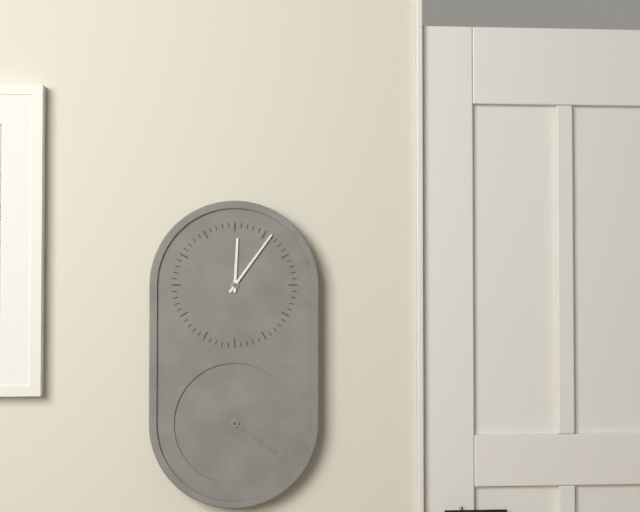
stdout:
{"hour": 12, "minute": 6, "second": 21}
